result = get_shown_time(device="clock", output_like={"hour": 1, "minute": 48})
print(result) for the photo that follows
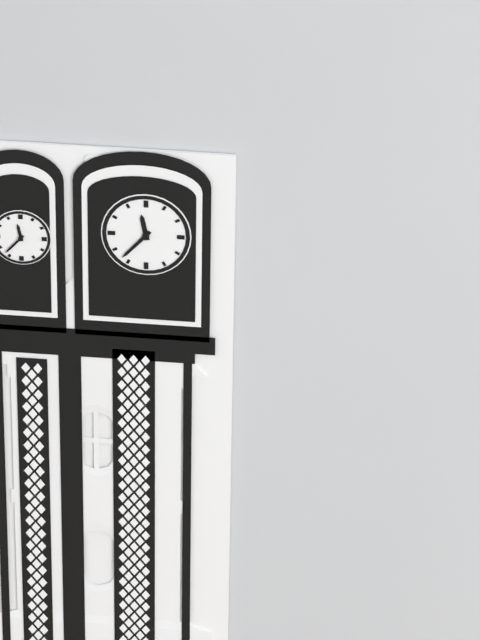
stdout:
{"hour": 11, "minute": 37}
